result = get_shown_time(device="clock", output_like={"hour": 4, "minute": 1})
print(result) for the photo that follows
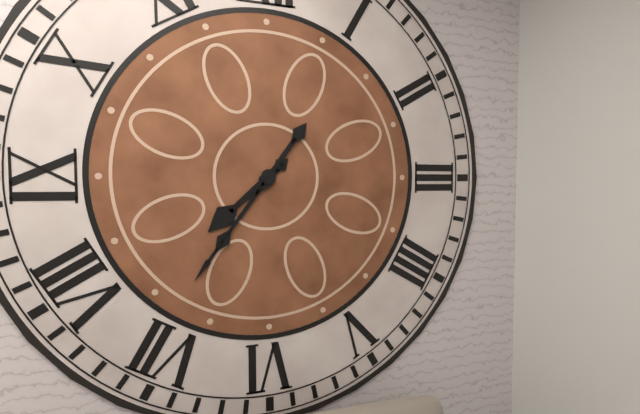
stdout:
{"hour": 7, "minute": 36}
